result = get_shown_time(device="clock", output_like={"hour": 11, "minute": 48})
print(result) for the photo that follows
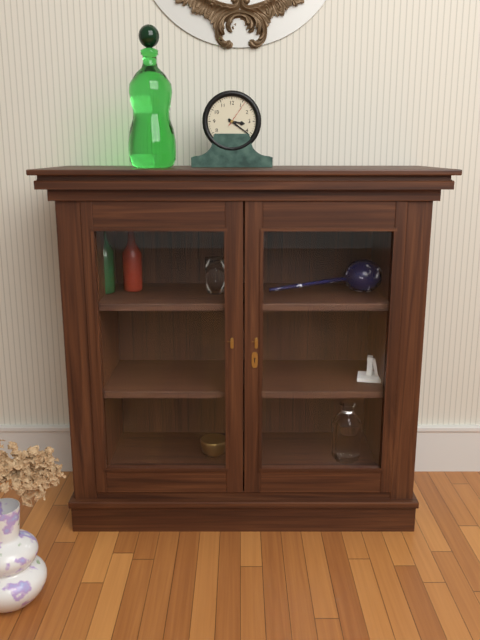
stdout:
{"hour": 3, "minute": 21}
